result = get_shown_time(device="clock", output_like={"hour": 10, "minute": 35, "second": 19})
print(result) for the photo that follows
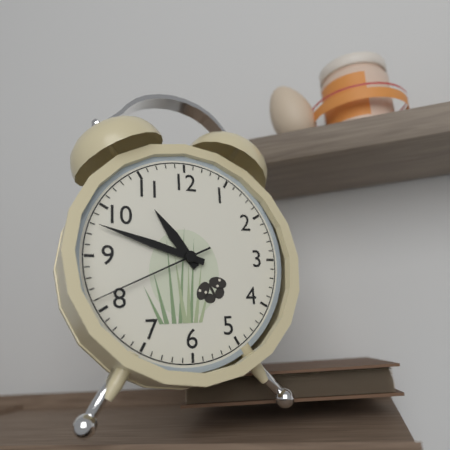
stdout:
{"hour": 10, "minute": 48, "second": 41}
